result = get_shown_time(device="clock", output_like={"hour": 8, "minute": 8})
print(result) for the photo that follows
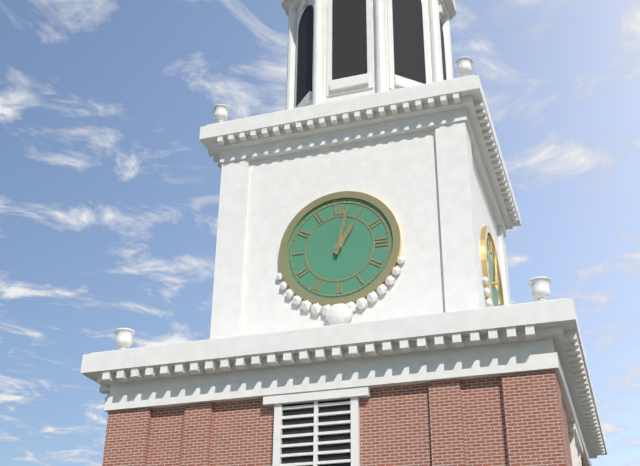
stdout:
{"hour": 1, "minute": 2}
